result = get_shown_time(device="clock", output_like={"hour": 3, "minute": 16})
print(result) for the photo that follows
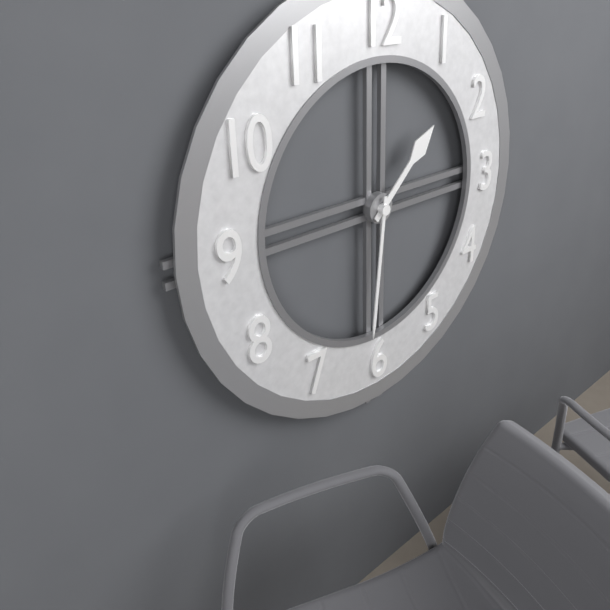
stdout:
{"hour": 1, "minute": 31}
